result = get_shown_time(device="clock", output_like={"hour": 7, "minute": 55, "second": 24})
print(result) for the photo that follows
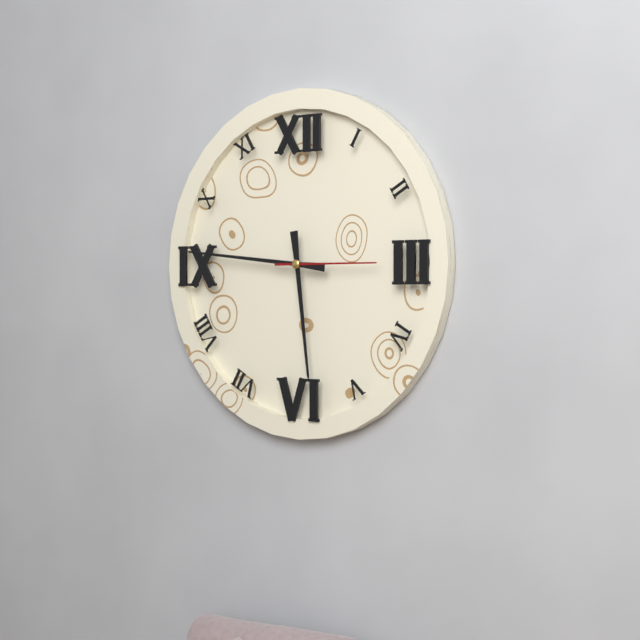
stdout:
{"hour": 5, "minute": 46, "second": 15}
